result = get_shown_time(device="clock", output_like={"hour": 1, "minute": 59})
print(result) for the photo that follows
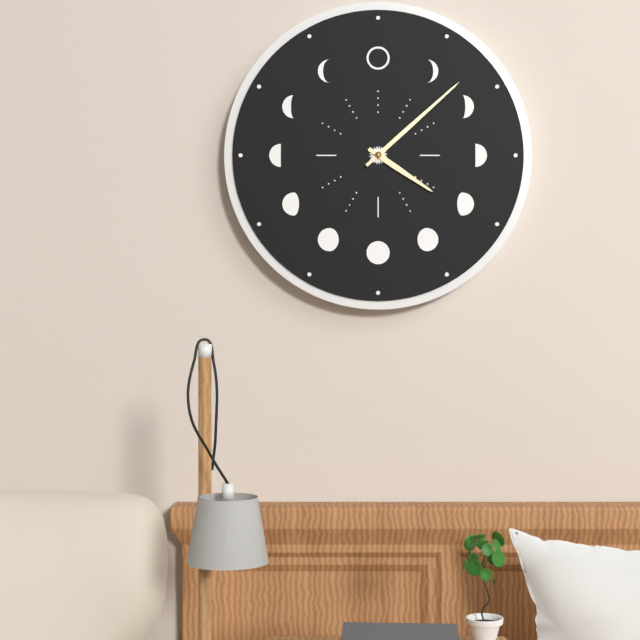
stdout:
{"hour": 4, "minute": 8}
